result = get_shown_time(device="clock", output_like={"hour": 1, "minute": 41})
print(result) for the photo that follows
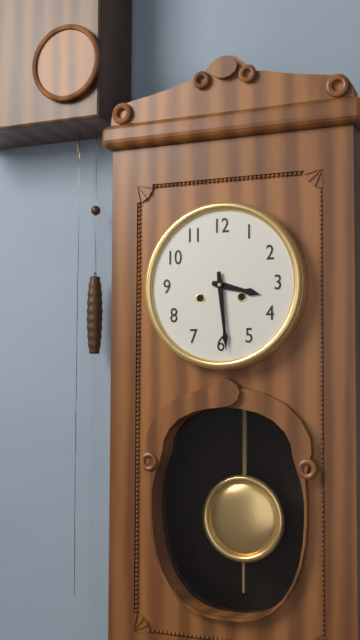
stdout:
{"hour": 3, "minute": 29}
